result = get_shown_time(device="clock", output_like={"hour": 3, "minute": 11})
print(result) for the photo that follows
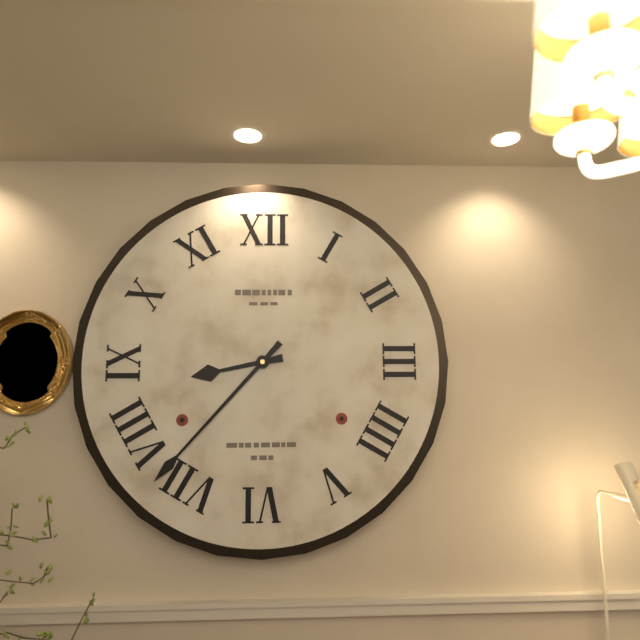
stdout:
{"hour": 8, "minute": 37}
